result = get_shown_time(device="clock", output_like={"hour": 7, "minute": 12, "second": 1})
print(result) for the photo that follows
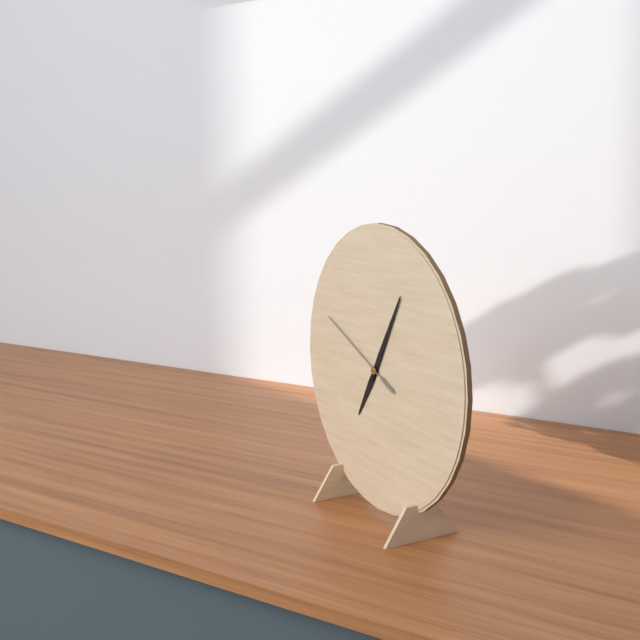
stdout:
{"hour": 7, "minute": 5, "second": 49}
